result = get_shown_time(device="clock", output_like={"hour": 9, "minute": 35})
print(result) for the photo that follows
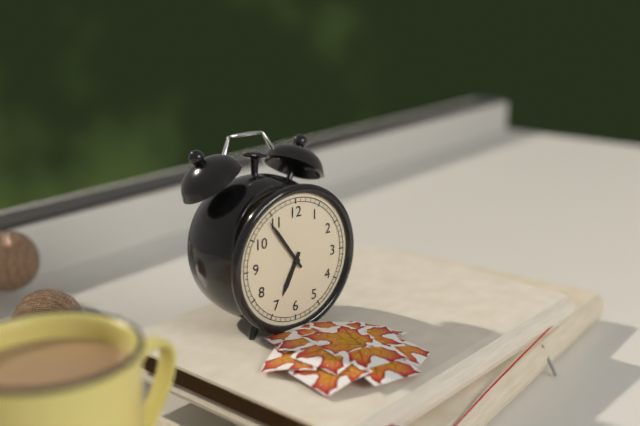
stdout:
{"hour": 6, "minute": 54}
